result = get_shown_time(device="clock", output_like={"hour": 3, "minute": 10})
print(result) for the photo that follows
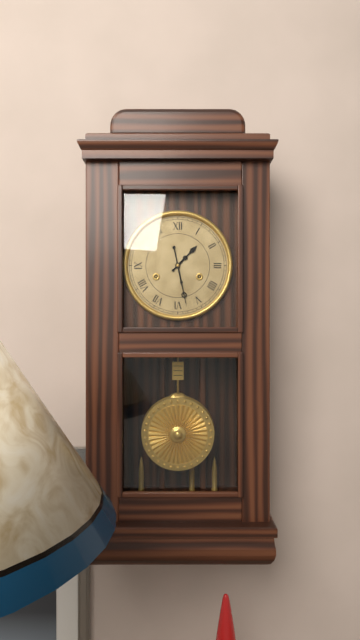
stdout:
{"hour": 1, "minute": 28}
